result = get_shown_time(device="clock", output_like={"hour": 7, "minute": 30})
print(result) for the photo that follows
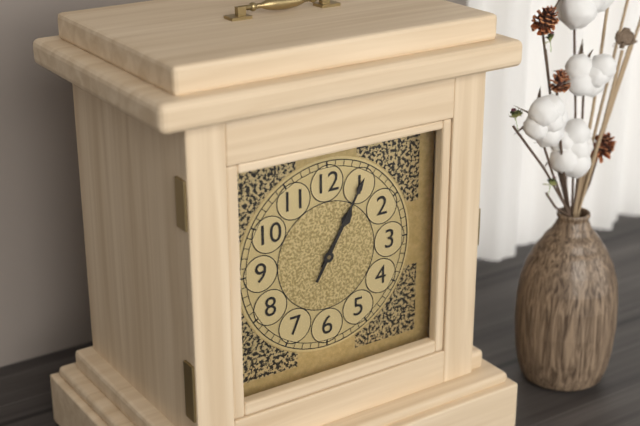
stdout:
{"hour": 1, "minute": 5}
